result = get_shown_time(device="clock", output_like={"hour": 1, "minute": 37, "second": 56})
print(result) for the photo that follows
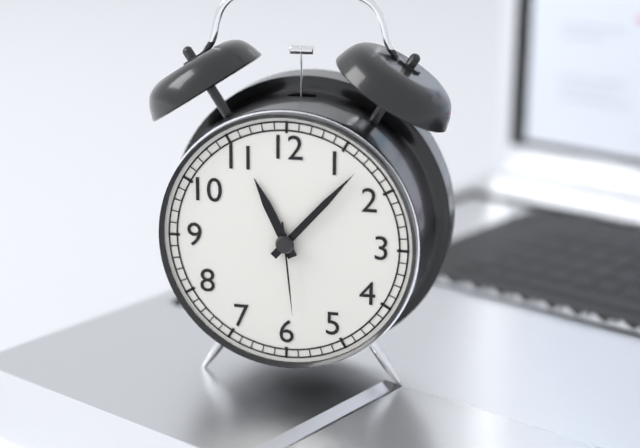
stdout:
{"hour": 11, "minute": 7, "second": 29}
